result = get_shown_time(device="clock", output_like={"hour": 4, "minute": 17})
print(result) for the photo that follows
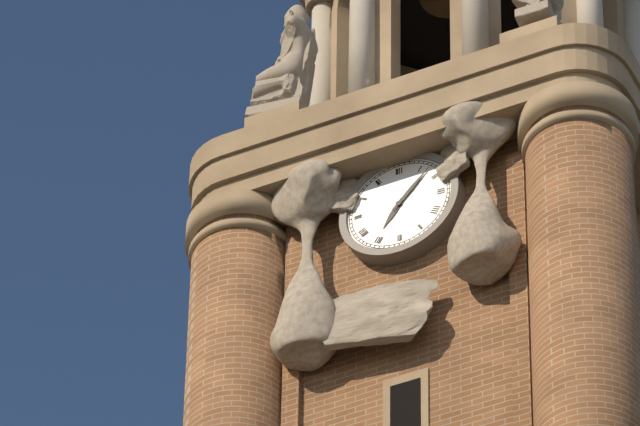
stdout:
{"hour": 7, "minute": 7}
